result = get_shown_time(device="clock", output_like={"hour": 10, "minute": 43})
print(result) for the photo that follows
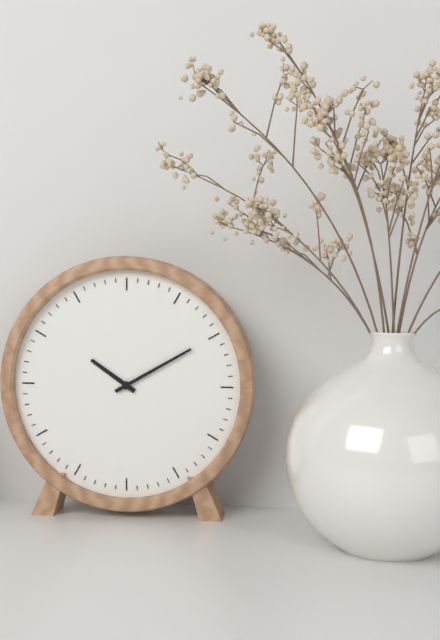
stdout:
{"hour": 10, "minute": 10}
